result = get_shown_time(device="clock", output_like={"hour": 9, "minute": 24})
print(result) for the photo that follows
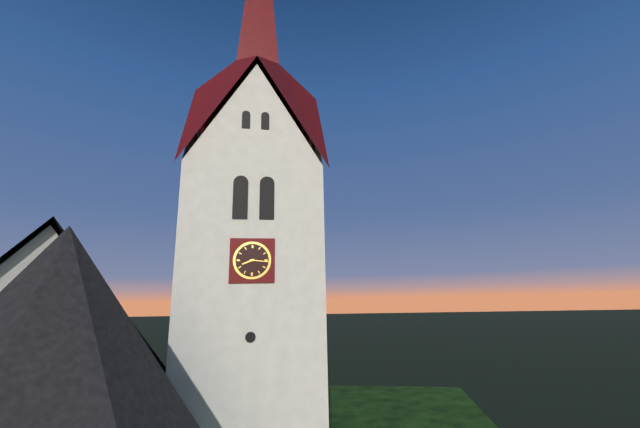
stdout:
{"hour": 8, "minute": 16}
